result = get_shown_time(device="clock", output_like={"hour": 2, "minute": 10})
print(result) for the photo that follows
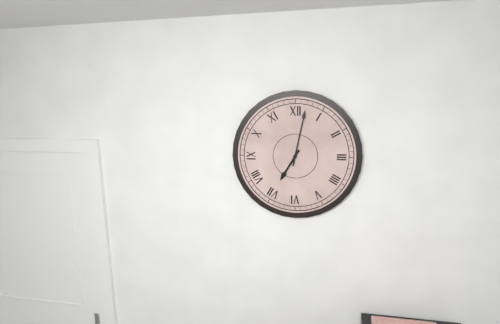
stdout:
{"hour": 7, "minute": 2}
